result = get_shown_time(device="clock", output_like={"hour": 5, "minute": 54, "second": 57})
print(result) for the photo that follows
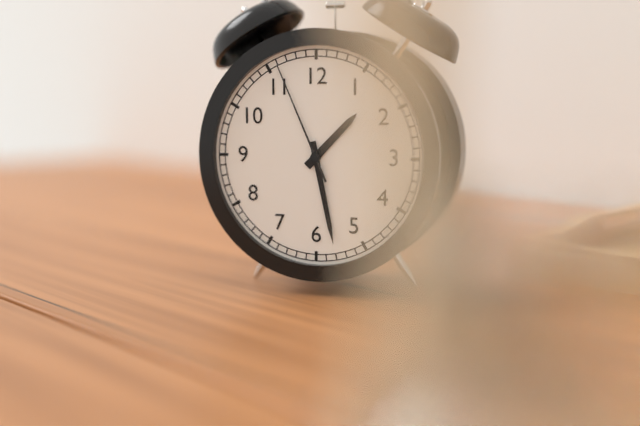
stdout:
{"hour": 1, "minute": 28, "second": 56}
